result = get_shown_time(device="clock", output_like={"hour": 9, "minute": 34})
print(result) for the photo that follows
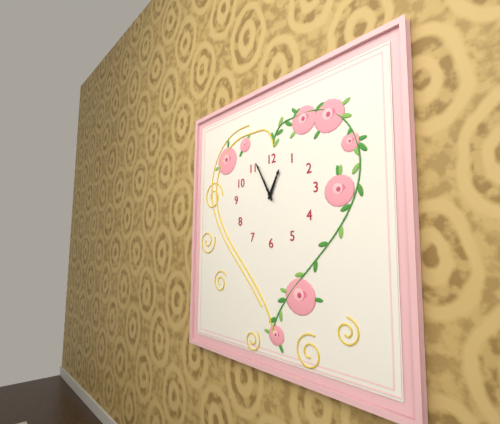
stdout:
{"hour": 12, "minute": 55}
